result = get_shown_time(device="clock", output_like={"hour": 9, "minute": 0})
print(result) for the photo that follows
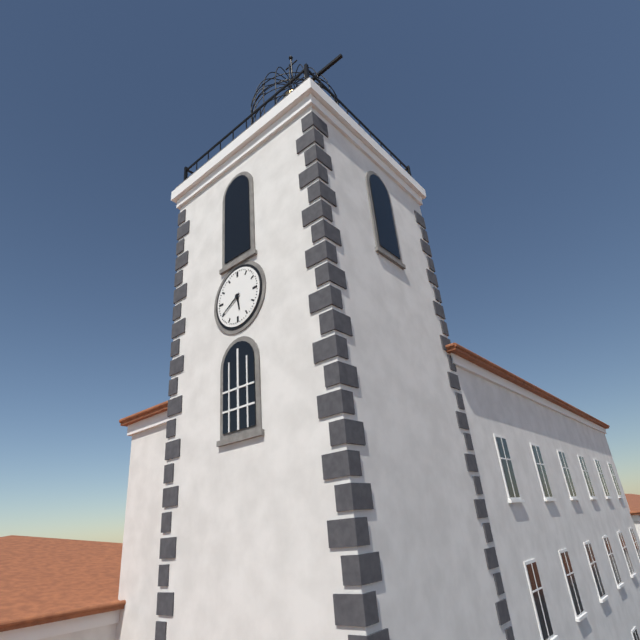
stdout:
{"hour": 5, "minute": 40}
